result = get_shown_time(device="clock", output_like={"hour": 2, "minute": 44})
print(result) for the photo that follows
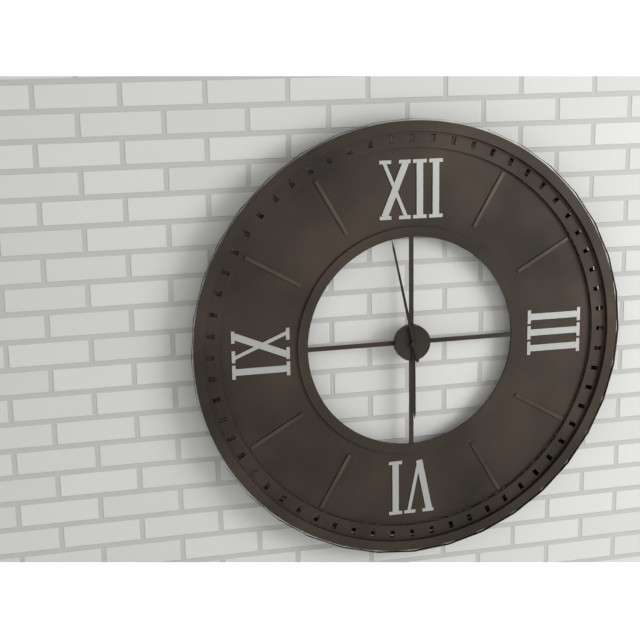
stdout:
{"hour": 5, "minute": 58}
